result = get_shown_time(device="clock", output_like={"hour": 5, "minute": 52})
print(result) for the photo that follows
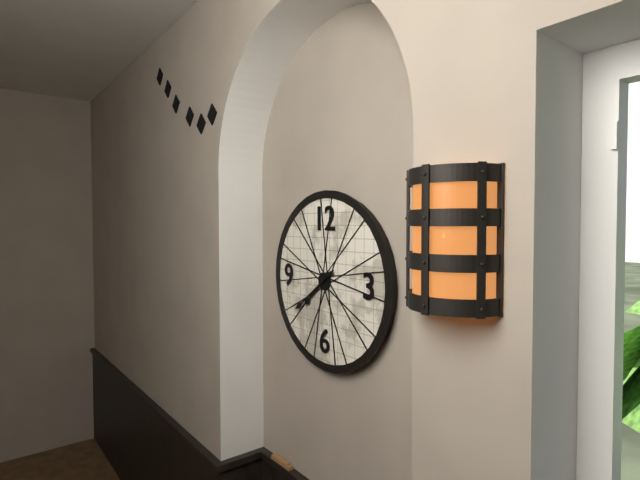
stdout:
{"hour": 7, "minute": 39}
